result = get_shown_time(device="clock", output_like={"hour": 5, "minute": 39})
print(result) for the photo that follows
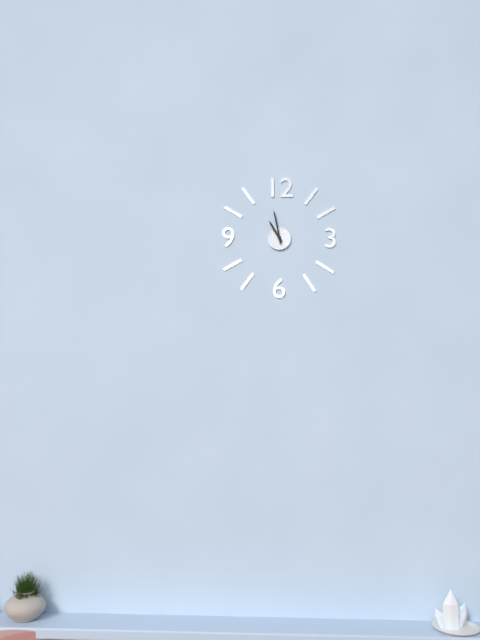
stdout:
{"hour": 10, "minute": 58}
